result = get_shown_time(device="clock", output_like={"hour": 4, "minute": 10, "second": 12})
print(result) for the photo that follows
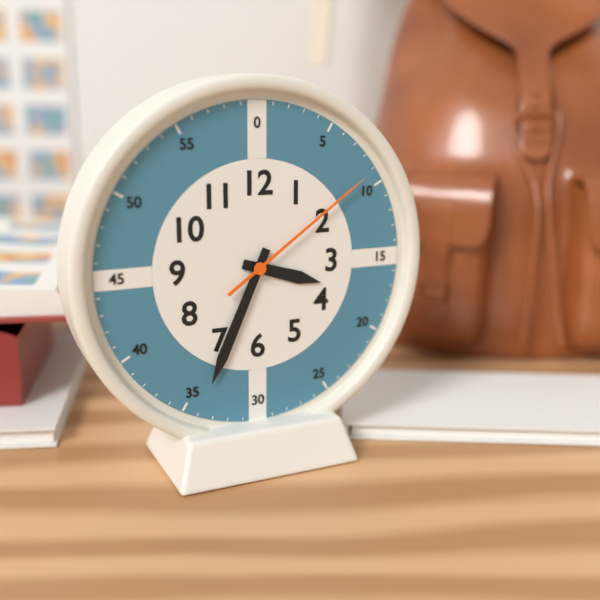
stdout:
{"hour": 3, "minute": 34, "second": 9}
